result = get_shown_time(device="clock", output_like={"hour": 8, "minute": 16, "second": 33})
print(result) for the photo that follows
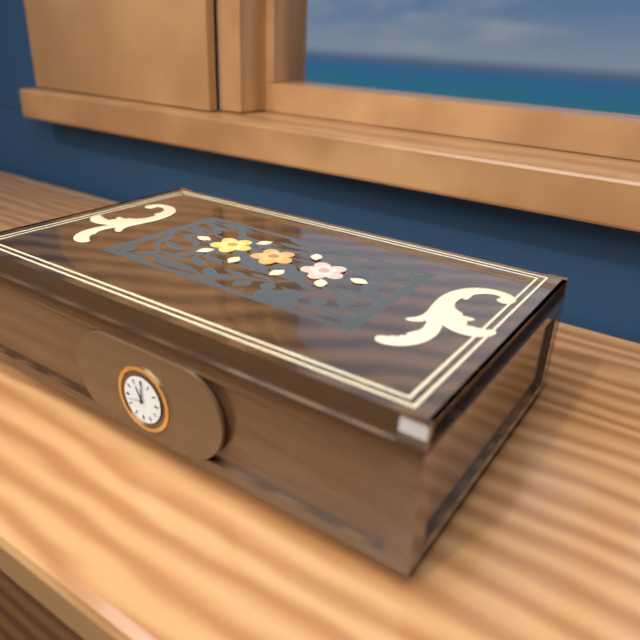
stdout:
{"hour": 11, "minute": 1, "second": 43}
